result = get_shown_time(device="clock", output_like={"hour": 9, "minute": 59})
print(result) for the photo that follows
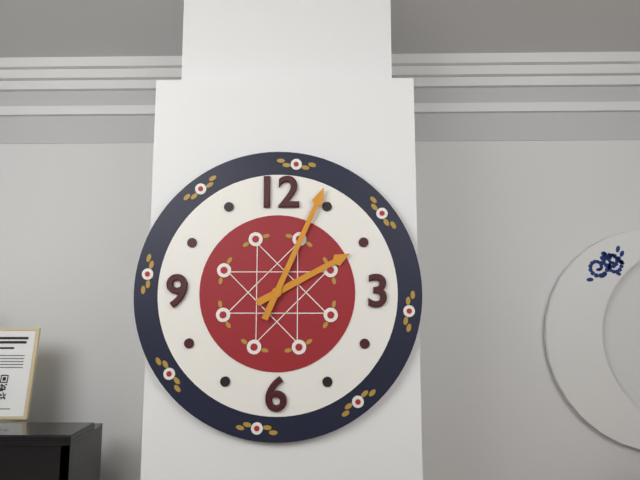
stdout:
{"hour": 2, "minute": 4}
